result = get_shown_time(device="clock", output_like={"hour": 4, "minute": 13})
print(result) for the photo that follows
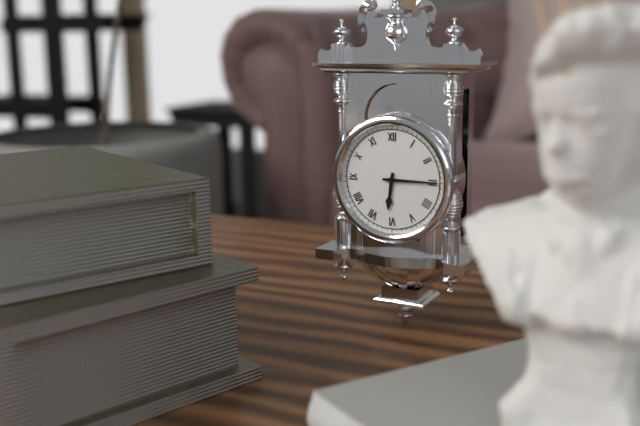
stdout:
{"hour": 6, "minute": 15}
